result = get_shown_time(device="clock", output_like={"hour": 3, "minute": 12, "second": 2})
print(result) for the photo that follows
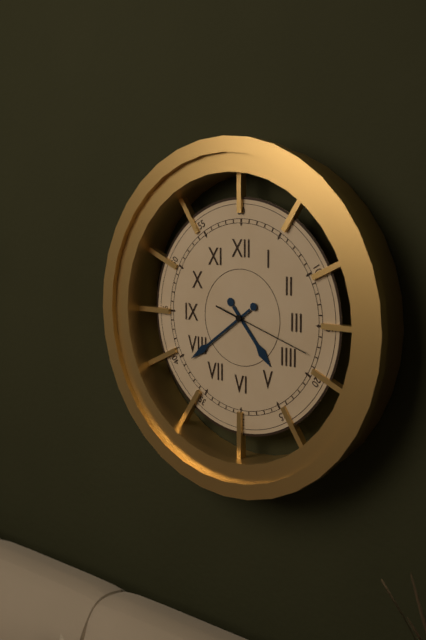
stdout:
{"hour": 4, "minute": 39, "second": 18}
